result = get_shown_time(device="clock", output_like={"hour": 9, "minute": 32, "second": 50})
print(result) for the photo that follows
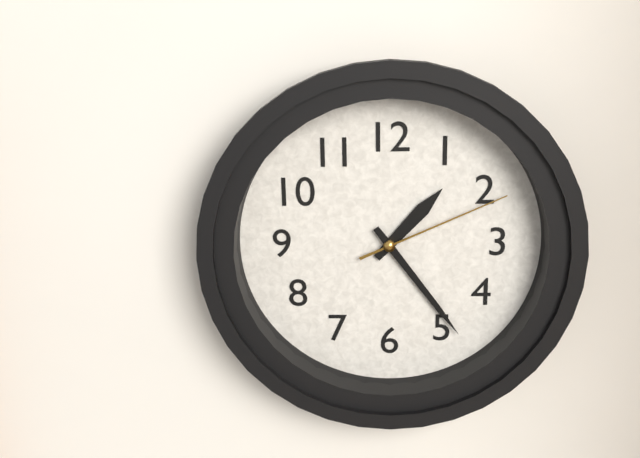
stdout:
{"hour": 1, "minute": 24, "second": 11}
